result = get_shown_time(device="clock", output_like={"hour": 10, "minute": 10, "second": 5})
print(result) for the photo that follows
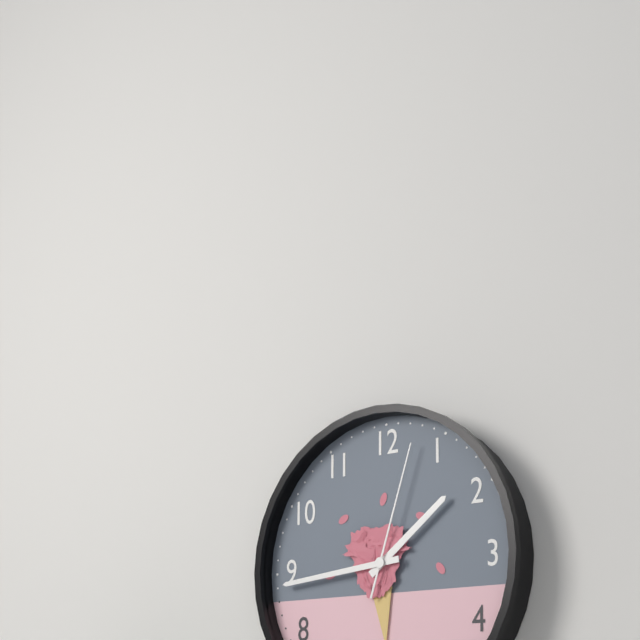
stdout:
{"hour": 1, "minute": 44, "second": 3}
